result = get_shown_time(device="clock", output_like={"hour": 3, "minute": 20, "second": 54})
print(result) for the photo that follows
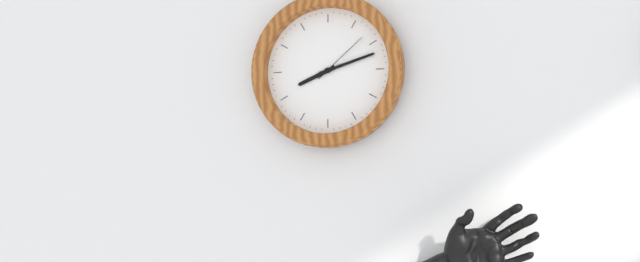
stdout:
{"hour": 8, "minute": 12, "second": 8}
